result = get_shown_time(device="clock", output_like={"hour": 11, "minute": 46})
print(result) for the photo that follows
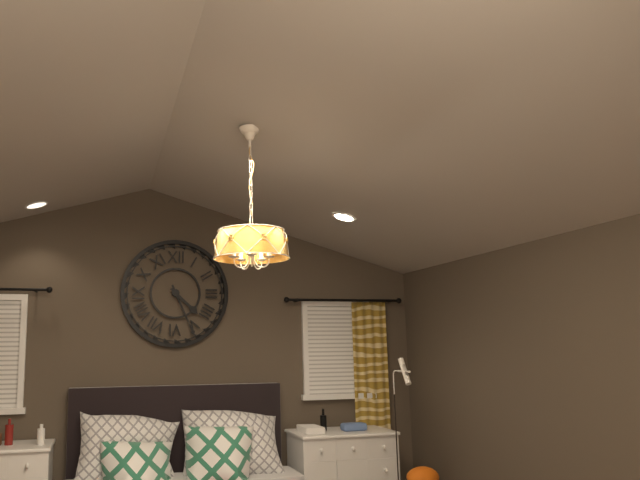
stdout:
{"hour": 4, "minute": 26}
